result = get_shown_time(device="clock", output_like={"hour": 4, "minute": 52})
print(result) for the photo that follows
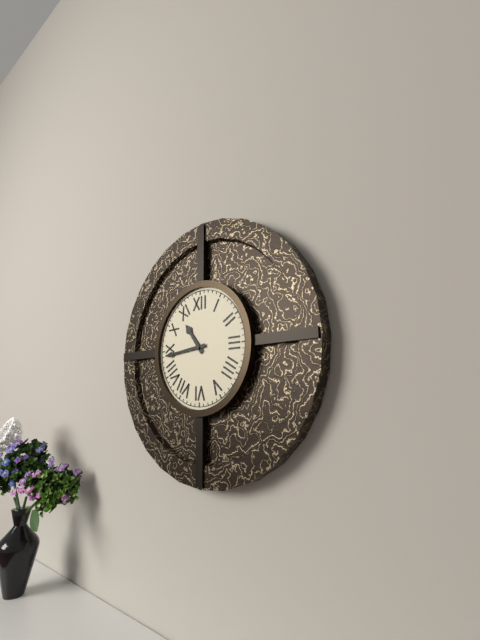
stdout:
{"hour": 10, "minute": 44}
